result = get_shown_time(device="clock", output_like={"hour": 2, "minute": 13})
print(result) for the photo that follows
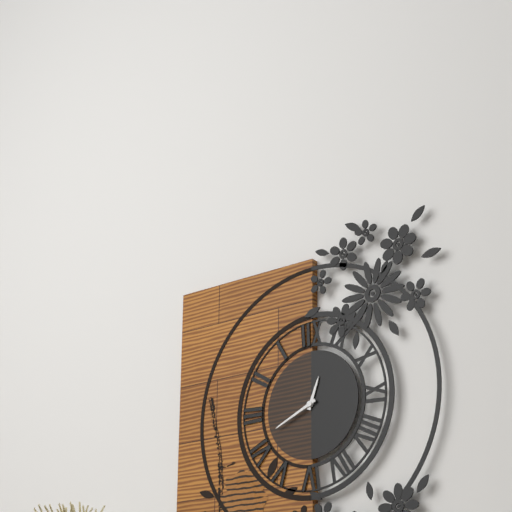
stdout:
{"hour": 12, "minute": 41}
